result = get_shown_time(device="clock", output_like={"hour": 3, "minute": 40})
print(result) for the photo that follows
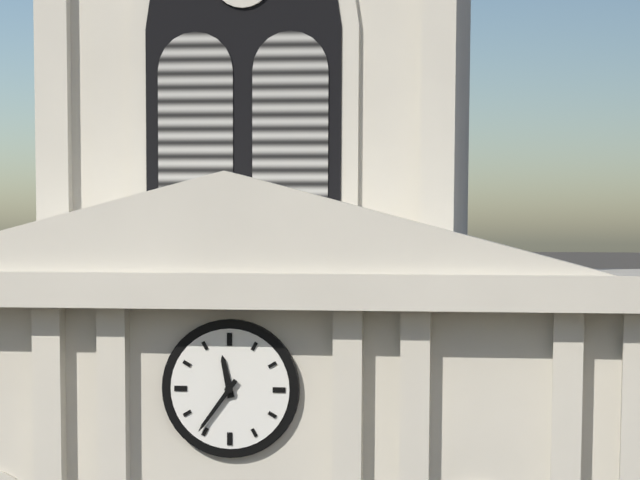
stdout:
{"hour": 11, "minute": 36}
